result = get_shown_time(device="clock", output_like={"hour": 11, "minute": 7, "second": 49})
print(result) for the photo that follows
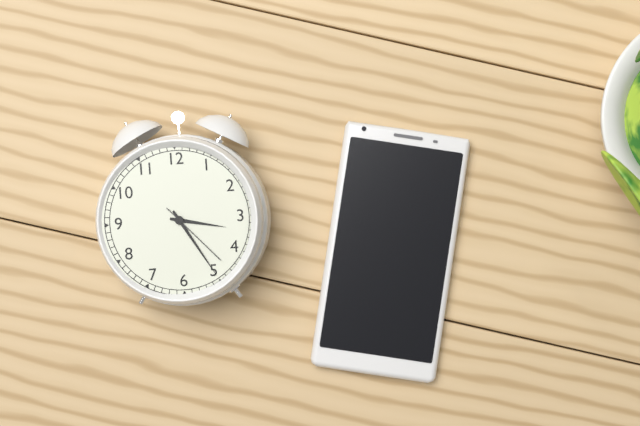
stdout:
{"hour": 3, "minute": 25, "second": 23}
